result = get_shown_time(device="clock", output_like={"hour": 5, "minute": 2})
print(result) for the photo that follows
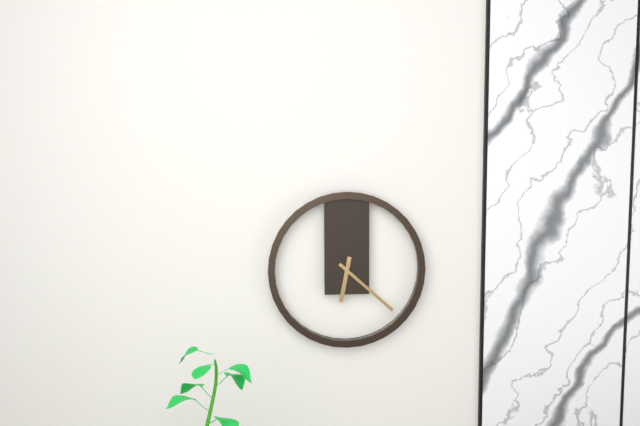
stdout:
{"hour": 6, "minute": 22}
